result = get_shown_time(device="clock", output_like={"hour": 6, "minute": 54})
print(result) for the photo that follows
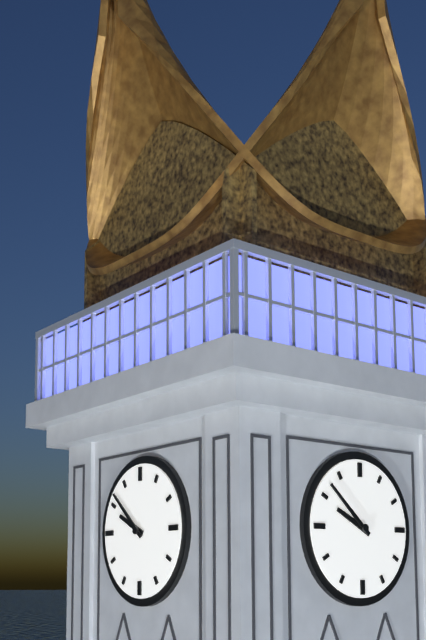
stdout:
{"hour": 9, "minute": 52}
